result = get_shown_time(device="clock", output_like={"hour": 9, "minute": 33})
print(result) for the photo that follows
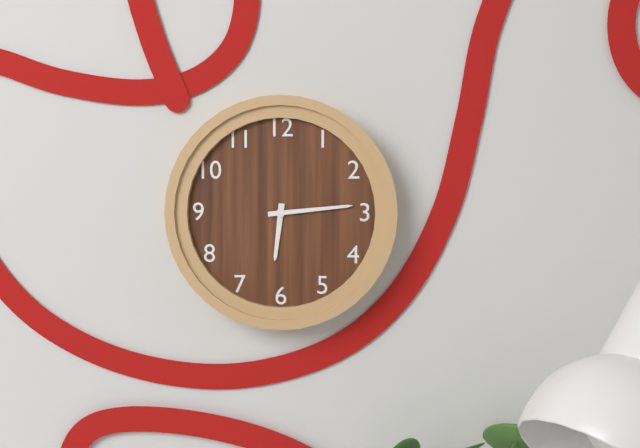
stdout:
{"hour": 6, "minute": 14}
